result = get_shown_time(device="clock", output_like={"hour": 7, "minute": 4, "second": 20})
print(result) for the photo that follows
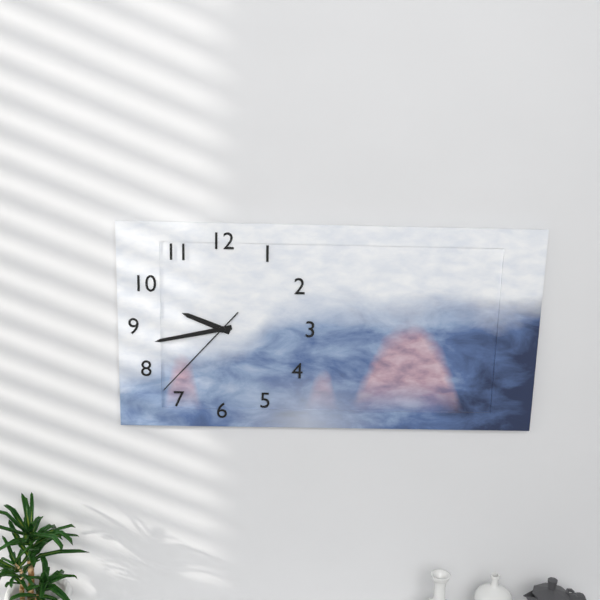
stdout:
{"hour": 9, "minute": 43, "second": 37}
